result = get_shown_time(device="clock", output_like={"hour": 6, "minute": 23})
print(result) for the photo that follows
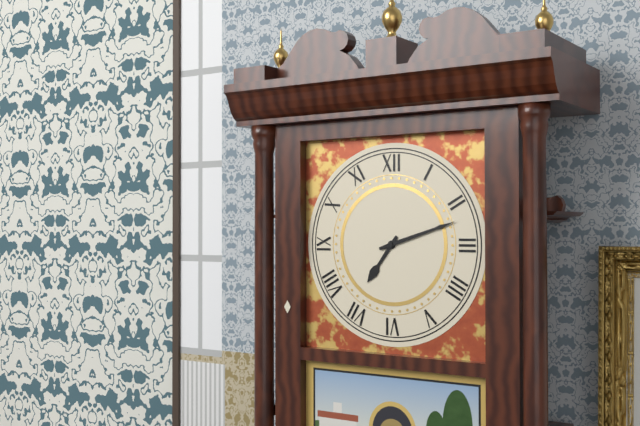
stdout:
{"hour": 7, "minute": 12}
